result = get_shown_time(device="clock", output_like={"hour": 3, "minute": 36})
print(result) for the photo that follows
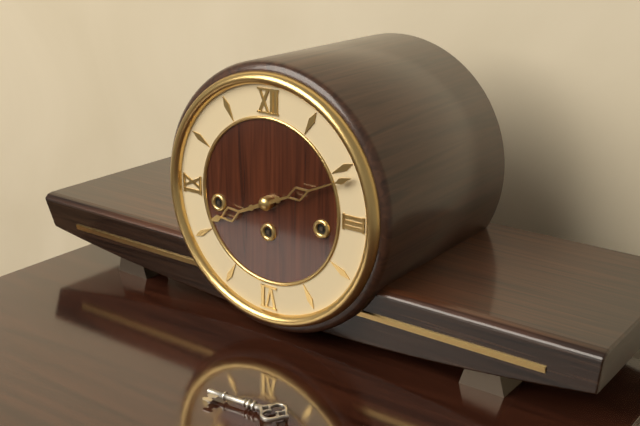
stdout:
{"hour": 8, "minute": 11}
